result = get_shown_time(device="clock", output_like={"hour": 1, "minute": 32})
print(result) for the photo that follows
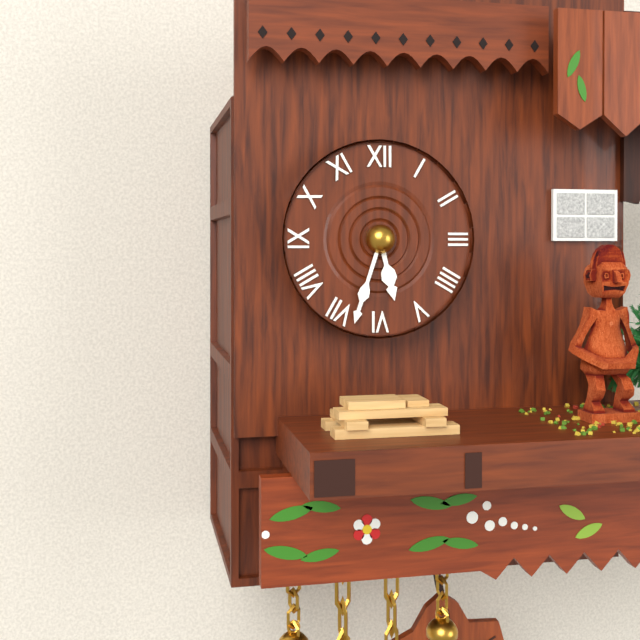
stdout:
{"hour": 5, "minute": 33}
